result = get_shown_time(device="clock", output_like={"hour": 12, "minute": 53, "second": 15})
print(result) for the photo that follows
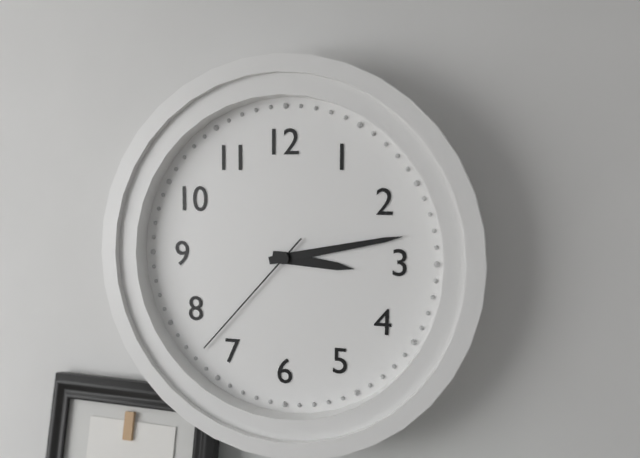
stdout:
{"hour": 3, "minute": 13, "second": 37}
